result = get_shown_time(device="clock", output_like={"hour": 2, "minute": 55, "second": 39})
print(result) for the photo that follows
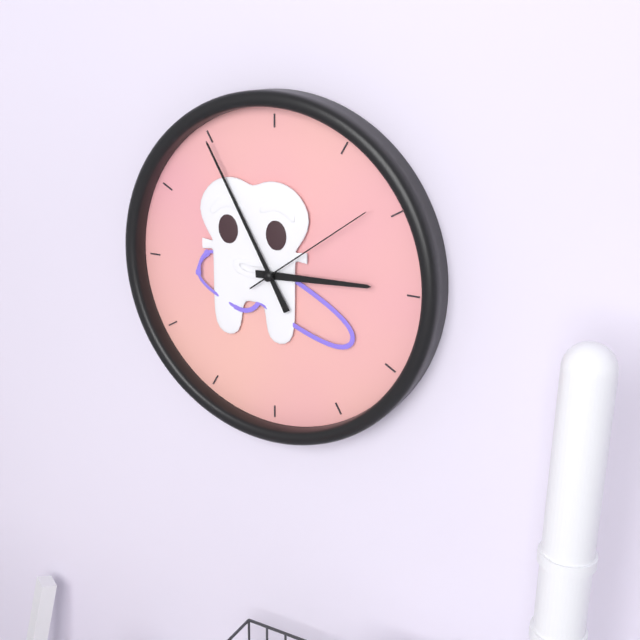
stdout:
{"hour": 2, "minute": 55, "second": 9}
